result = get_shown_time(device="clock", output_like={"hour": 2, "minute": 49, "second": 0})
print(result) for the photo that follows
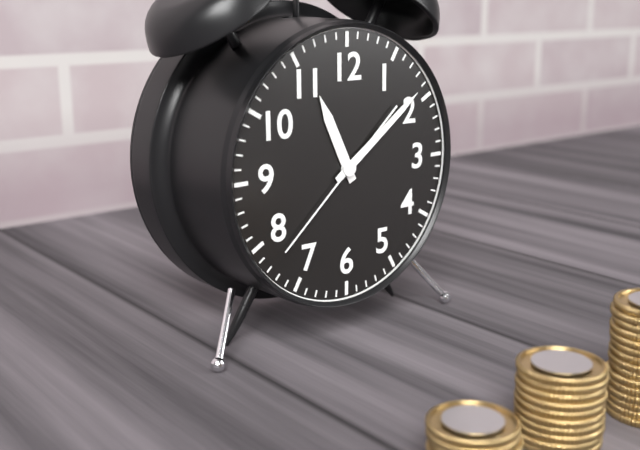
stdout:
{"hour": 11, "minute": 9, "second": 38}
